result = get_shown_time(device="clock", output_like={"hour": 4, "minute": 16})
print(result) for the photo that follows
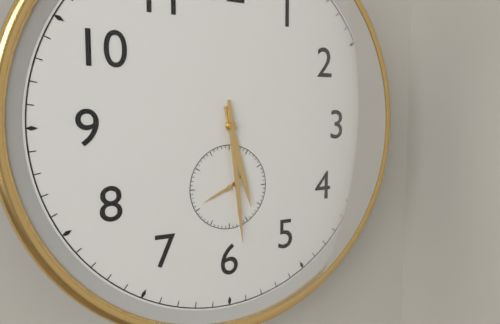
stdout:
{"hour": 5, "minute": 29}
